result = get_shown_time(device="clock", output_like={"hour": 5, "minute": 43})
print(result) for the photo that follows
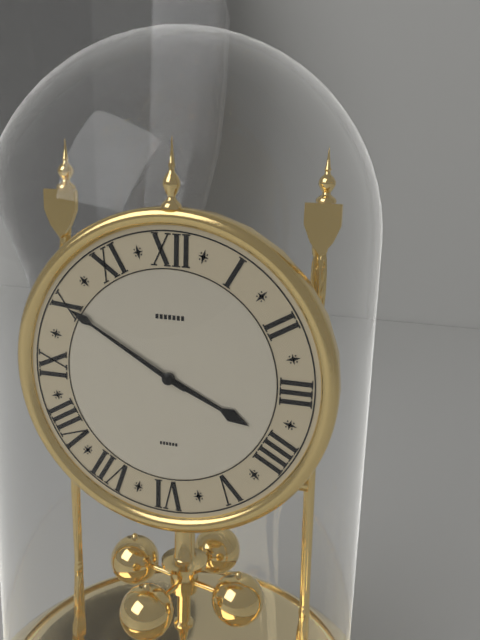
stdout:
{"hour": 3, "minute": 50}
